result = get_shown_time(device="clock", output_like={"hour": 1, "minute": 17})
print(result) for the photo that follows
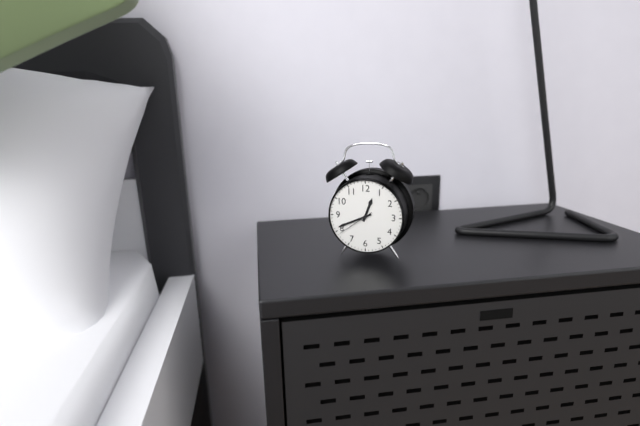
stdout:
{"hour": 12, "minute": 41}
